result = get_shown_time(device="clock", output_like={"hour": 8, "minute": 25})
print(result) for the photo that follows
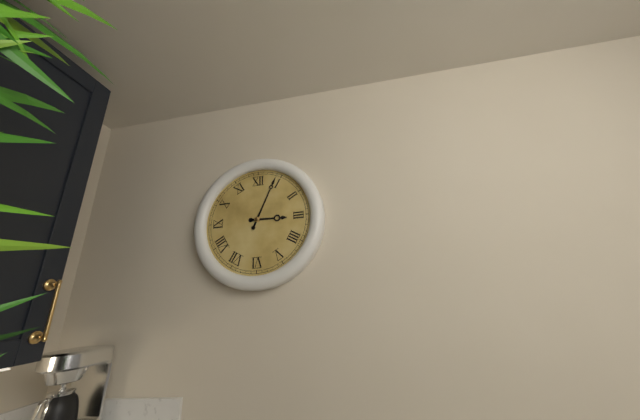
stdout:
{"hour": 3, "minute": 4}
